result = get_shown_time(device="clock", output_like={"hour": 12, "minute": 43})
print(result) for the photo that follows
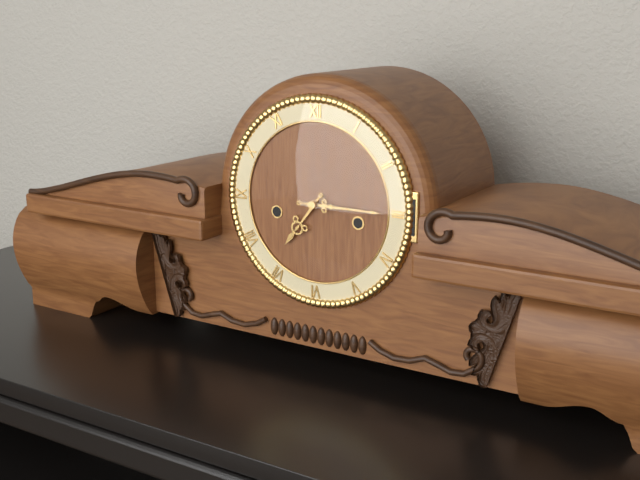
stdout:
{"hour": 7, "minute": 15}
